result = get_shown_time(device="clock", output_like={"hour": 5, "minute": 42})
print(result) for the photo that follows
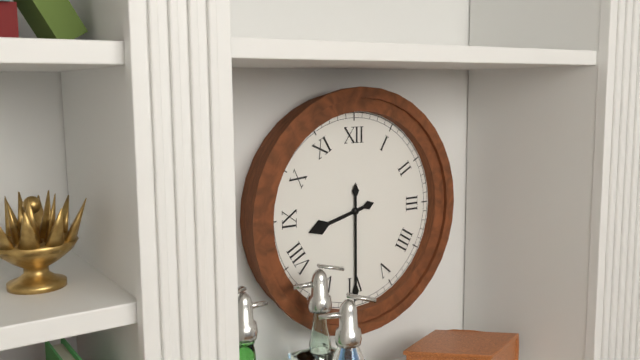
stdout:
{"hour": 8, "minute": 30}
